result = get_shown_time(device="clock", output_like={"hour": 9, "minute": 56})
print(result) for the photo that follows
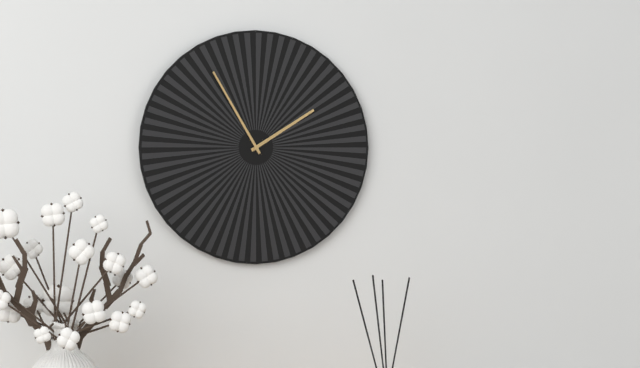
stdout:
{"hour": 1, "minute": 55}
